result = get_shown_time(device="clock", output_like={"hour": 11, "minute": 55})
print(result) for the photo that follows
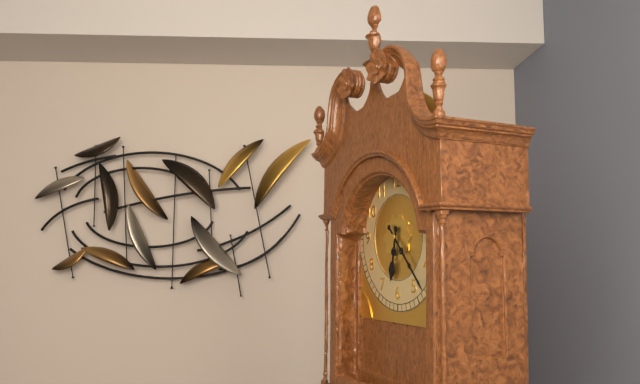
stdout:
{"hour": 6, "minute": 23}
